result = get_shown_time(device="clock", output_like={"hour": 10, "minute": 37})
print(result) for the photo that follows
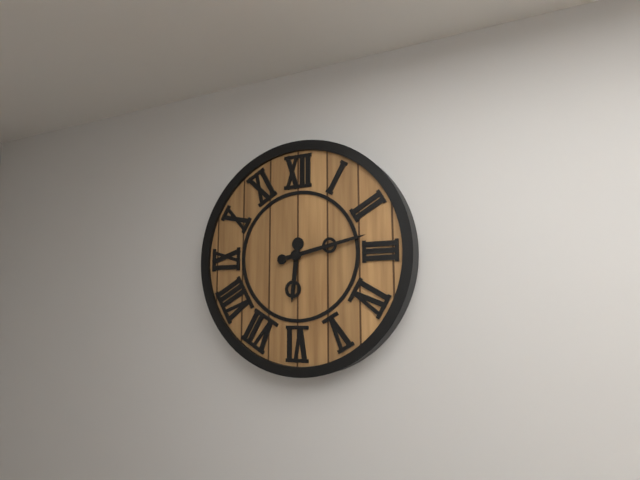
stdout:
{"hour": 6, "minute": 13}
